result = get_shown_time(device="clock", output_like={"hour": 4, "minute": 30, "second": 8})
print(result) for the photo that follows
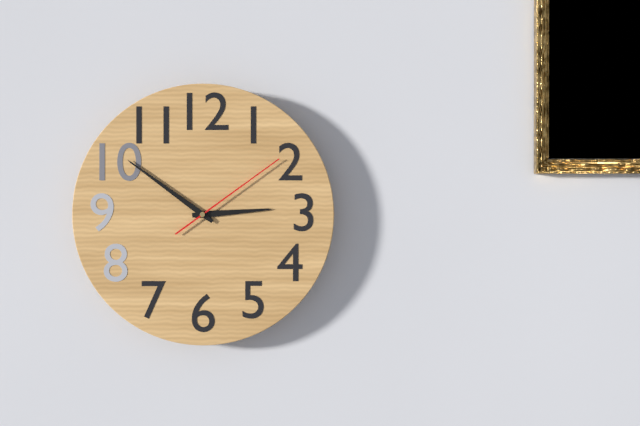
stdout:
{"hour": 2, "minute": 51, "second": 9}
